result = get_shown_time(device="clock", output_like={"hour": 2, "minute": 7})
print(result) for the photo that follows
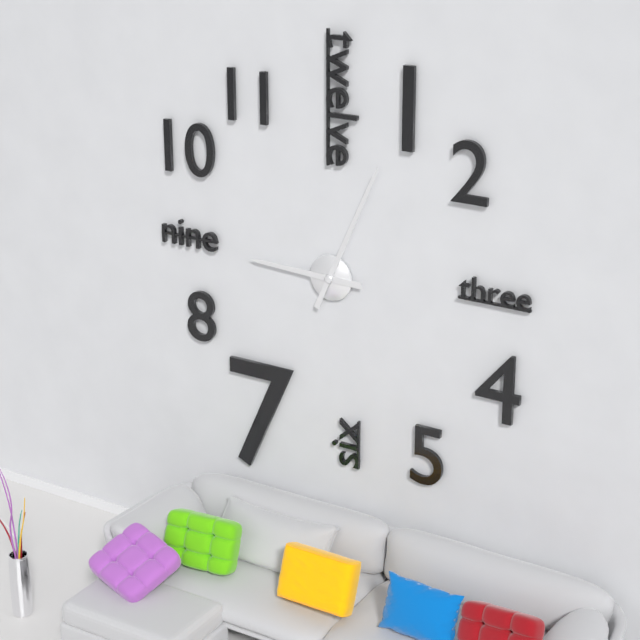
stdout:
{"hour": 9, "minute": 4}
